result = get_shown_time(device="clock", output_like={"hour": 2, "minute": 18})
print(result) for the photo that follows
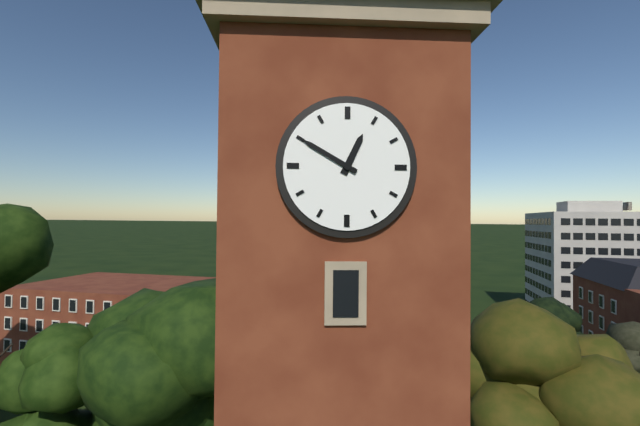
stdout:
{"hour": 12, "minute": 50}
